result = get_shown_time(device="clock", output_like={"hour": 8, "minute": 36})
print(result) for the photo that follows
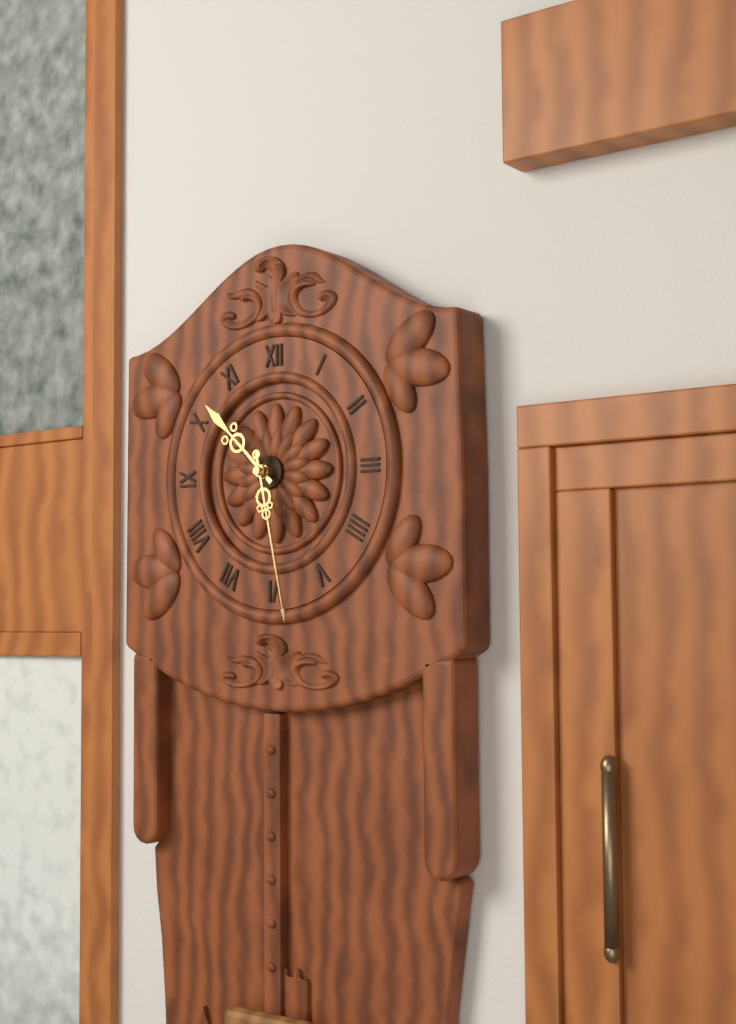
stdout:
{"hour": 10, "minute": 28}
